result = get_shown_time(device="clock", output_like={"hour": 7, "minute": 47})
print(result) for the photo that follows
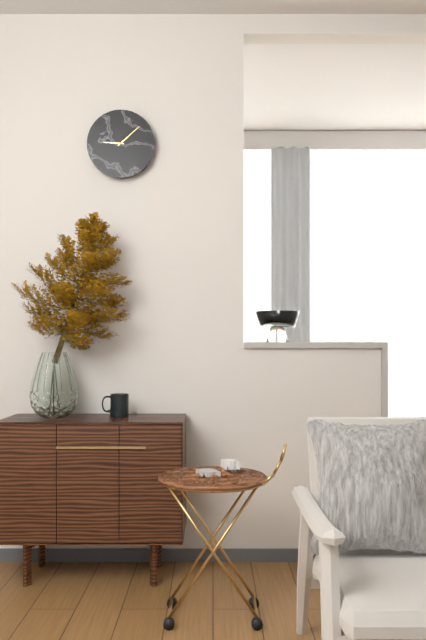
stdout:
{"hour": 9, "minute": 8}
